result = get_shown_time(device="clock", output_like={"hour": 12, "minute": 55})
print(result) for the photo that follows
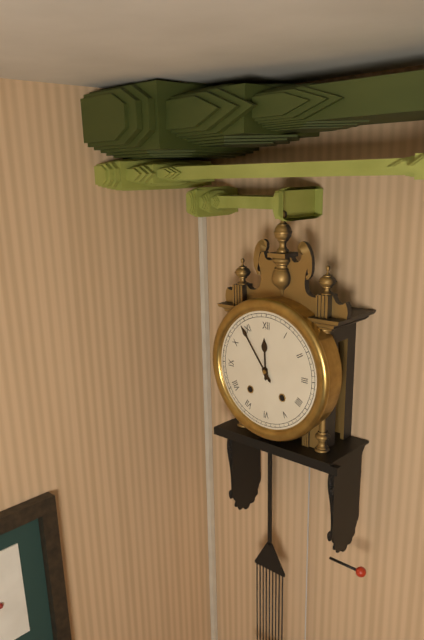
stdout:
{"hour": 11, "minute": 54}
